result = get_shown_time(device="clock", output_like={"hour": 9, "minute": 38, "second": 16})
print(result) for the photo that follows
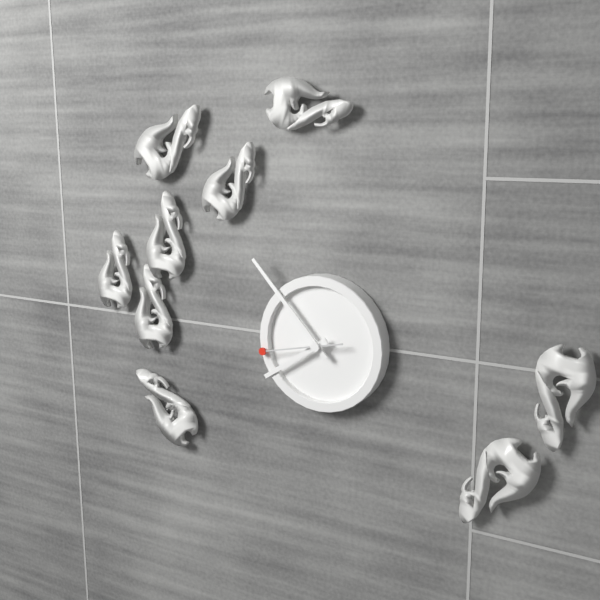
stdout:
{"hour": 7, "minute": 53, "second": 43}
